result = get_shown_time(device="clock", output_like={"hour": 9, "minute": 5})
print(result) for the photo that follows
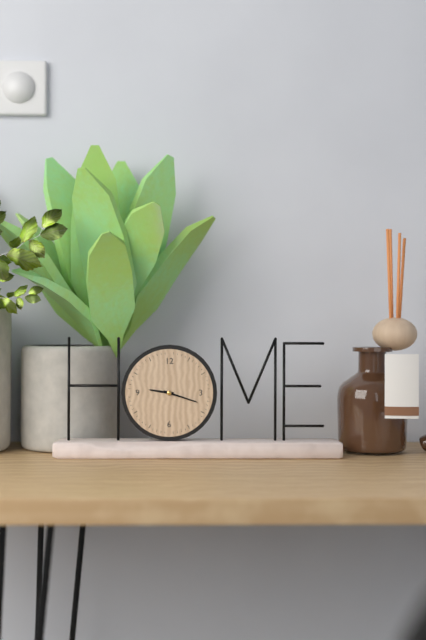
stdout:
{"hour": 9, "minute": 18}
